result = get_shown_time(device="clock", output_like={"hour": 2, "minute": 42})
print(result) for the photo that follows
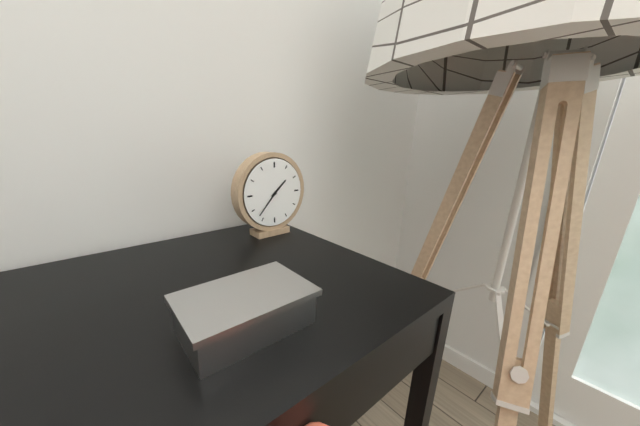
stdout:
{"hour": 1, "minute": 37}
